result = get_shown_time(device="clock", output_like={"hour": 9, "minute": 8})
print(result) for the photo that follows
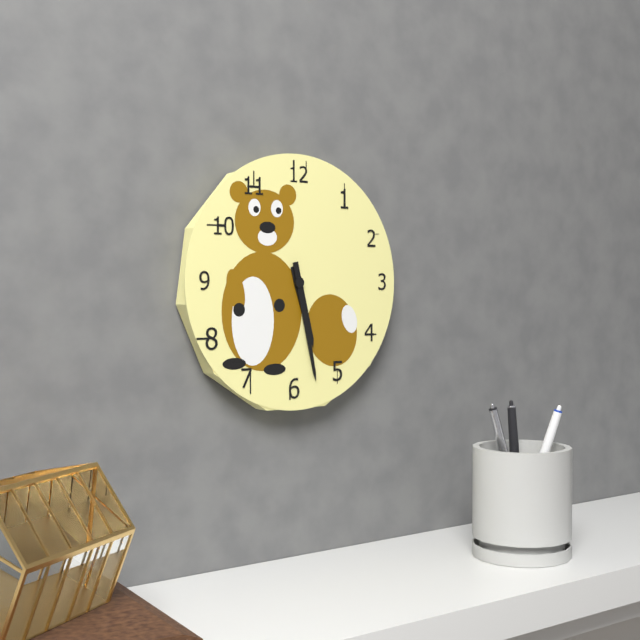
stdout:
{"hour": 5, "minute": 28}
